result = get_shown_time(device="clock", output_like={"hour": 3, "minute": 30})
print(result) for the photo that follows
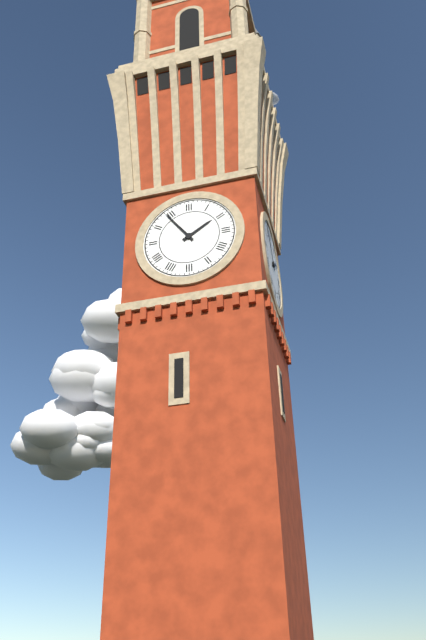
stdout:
{"hour": 1, "minute": 54}
